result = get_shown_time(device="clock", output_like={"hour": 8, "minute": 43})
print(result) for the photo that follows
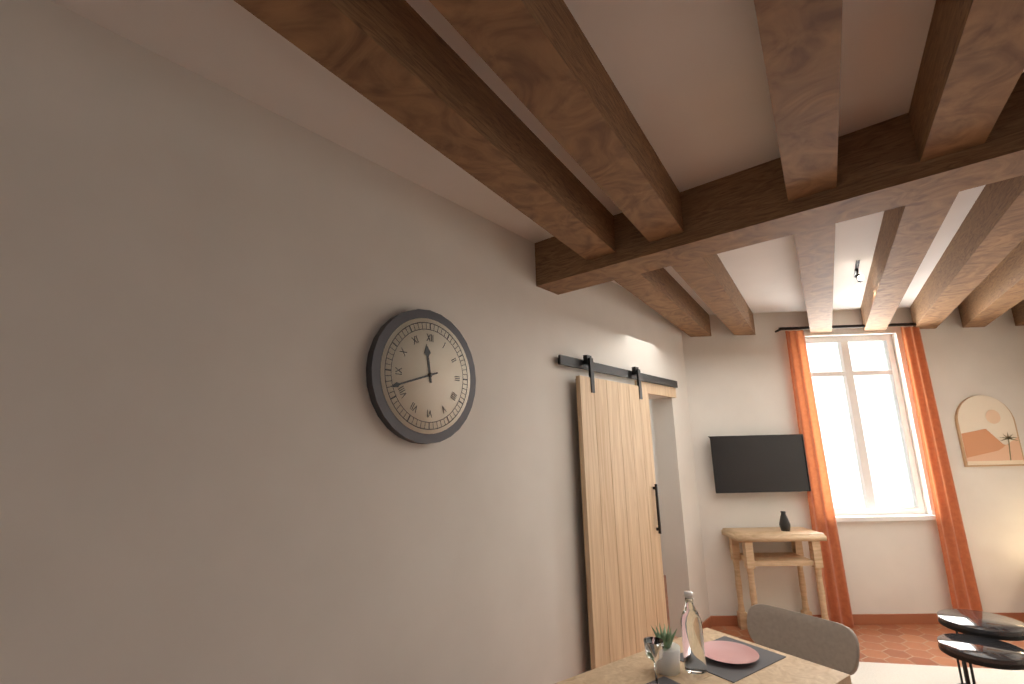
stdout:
{"hour": 11, "minute": 42}
